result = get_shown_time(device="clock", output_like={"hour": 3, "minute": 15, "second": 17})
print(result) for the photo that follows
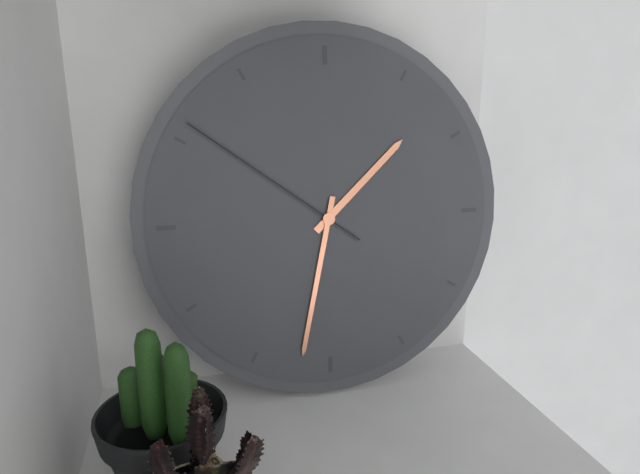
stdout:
{"hour": 1, "minute": 32, "second": 51}
